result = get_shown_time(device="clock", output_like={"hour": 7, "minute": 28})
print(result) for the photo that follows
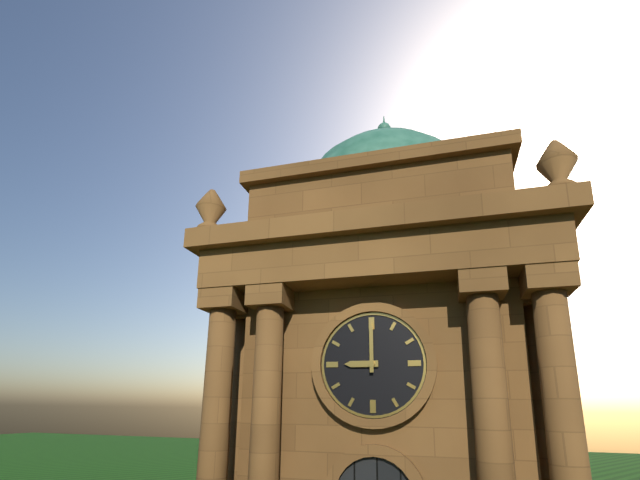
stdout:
{"hour": 9, "minute": 0}
